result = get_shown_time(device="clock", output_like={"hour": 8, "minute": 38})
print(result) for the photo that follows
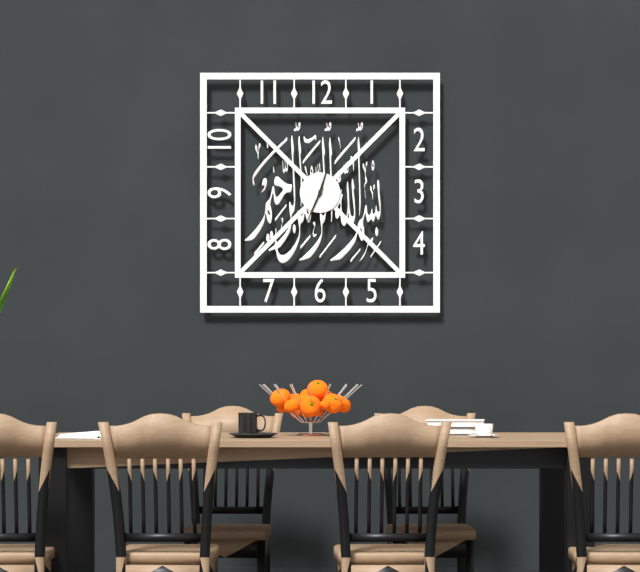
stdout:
{"hour": 12, "minute": 34}
